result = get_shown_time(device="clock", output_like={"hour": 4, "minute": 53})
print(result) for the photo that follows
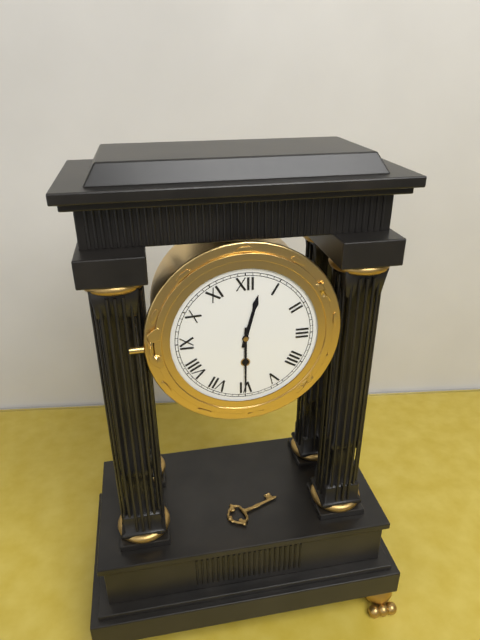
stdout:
{"hour": 12, "minute": 30}
